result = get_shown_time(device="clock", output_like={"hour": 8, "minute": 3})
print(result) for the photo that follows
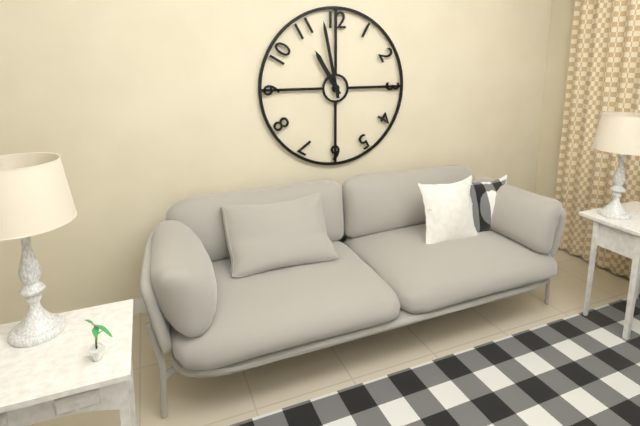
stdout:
{"hour": 10, "minute": 58}
